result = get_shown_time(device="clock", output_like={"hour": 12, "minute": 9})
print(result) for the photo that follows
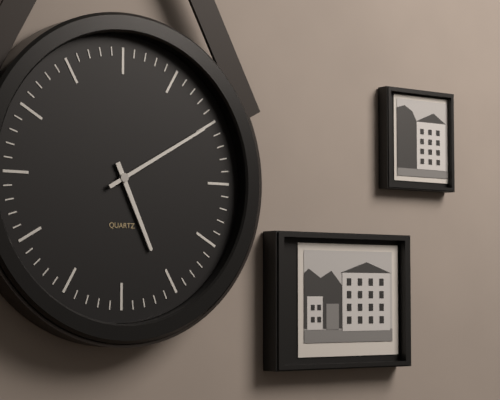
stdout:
{"hour": 5, "minute": 10}
